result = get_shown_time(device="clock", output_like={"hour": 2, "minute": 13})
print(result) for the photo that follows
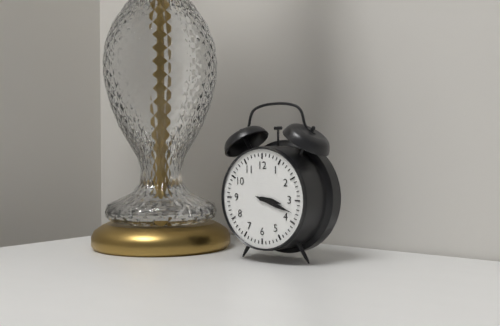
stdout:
{"hour": 3, "minute": 18}
